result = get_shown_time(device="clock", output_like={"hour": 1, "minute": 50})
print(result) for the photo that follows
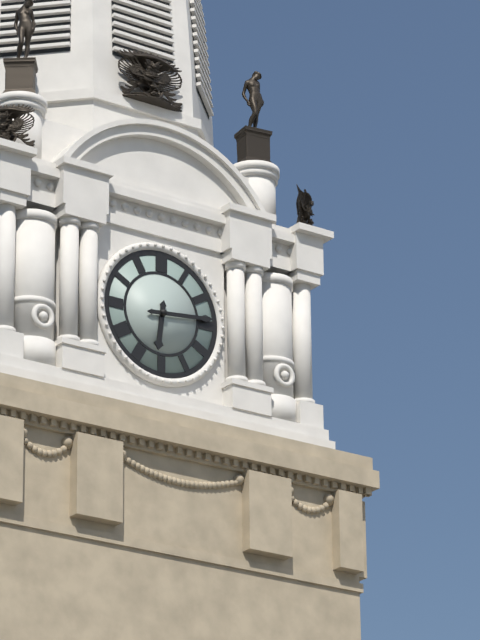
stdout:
{"hour": 6, "minute": 14}
